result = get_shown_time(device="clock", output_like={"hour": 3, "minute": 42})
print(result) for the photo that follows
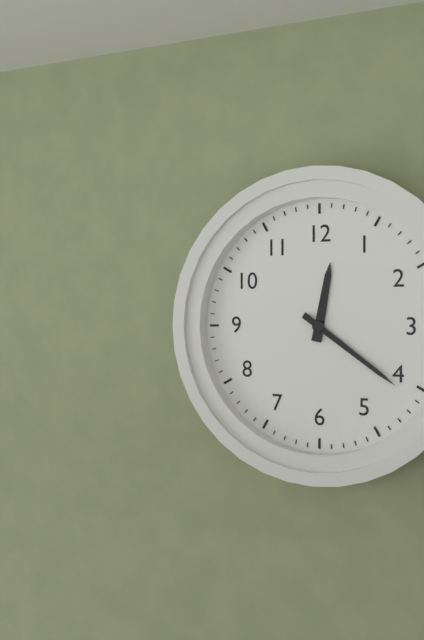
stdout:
{"hour": 12, "minute": 21}
